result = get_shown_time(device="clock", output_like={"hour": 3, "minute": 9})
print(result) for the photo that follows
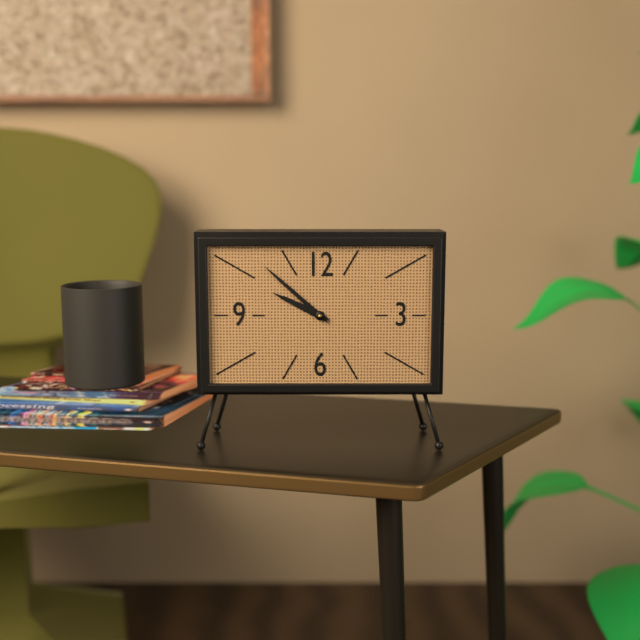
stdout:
{"hour": 9, "minute": 52}
